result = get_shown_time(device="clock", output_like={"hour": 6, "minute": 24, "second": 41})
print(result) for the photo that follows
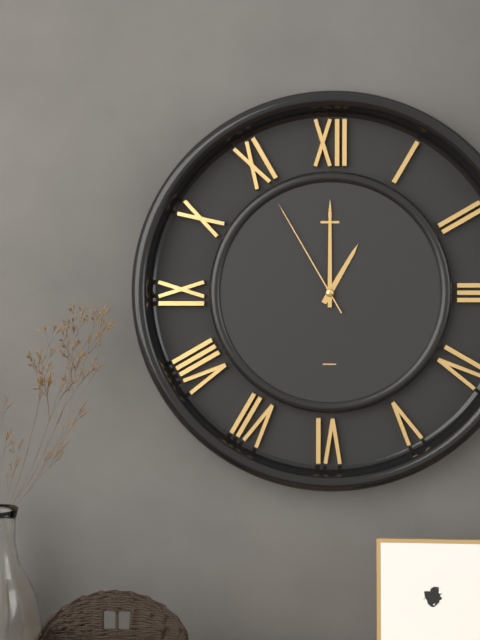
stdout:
{"hour": 1, "minute": 0, "second": 55}
